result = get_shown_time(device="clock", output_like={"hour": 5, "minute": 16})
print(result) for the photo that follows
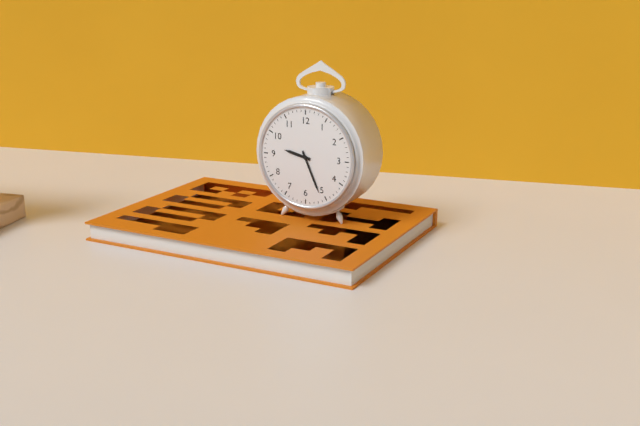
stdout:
{"hour": 9, "minute": 26}
